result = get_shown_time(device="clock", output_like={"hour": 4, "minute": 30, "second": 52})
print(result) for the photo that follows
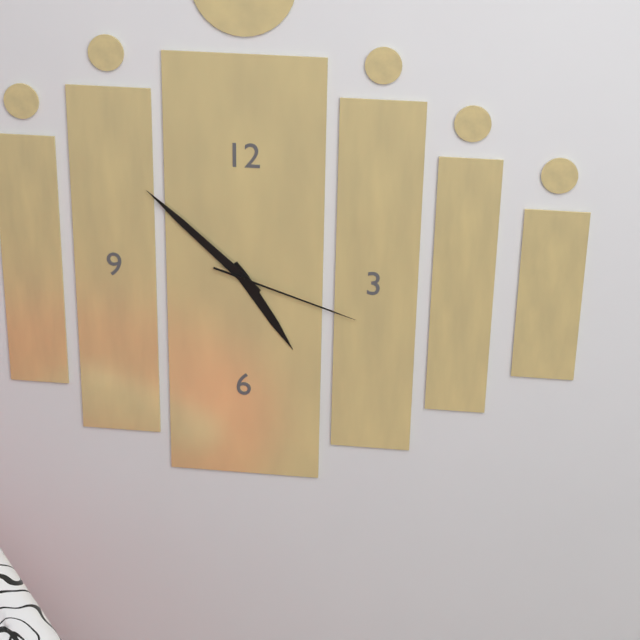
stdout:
{"hour": 4, "minute": 52, "second": 18}
